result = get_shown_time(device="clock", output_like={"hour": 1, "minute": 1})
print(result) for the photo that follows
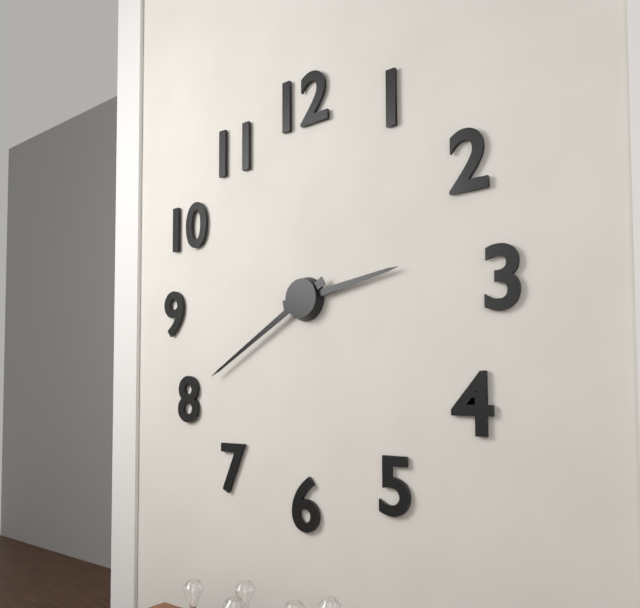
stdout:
{"hour": 2, "minute": 40}
